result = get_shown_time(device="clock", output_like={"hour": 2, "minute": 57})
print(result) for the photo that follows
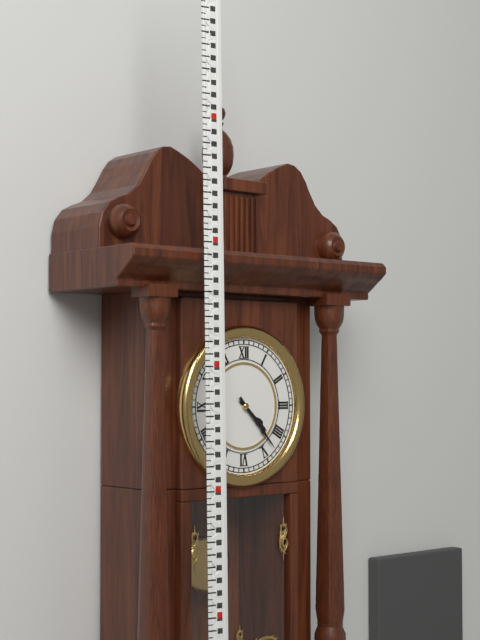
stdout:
{"hour": 4, "minute": 23}
